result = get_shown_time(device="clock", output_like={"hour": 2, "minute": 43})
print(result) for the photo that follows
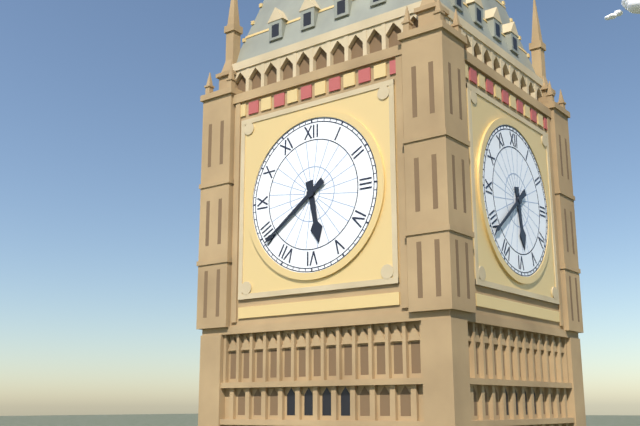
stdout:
{"hour": 5, "minute": 39}
